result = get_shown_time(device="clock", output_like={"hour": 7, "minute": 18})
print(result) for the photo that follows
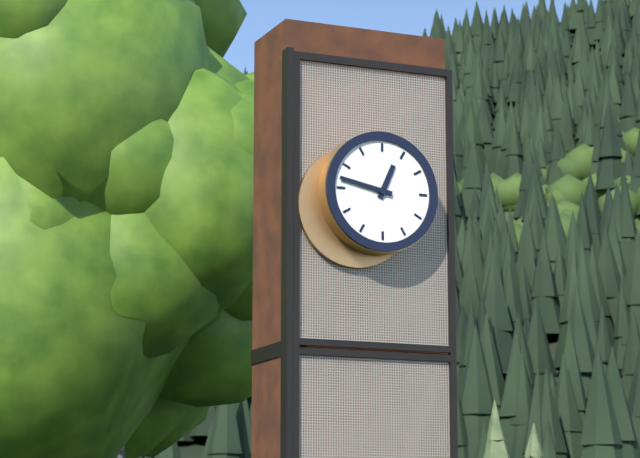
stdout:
{"hour": 12, "minute": 47}
